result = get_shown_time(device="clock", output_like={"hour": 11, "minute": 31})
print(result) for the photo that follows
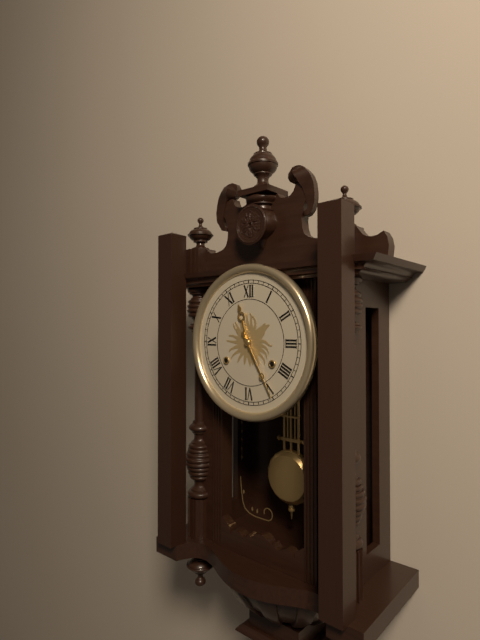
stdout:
{"hour": 11, "minute": 25}
